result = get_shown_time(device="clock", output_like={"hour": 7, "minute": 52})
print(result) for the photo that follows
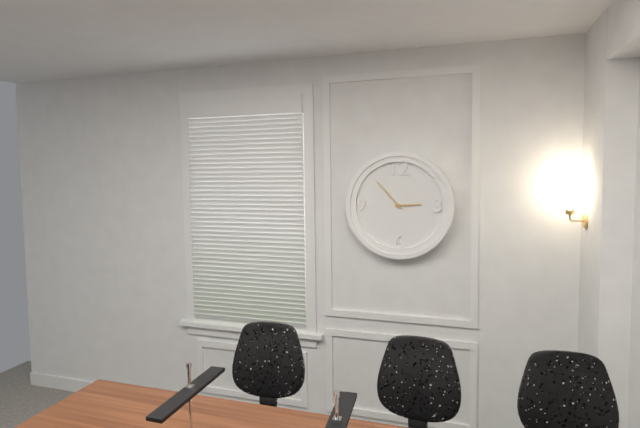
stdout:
{"hour": 2, "minute": 53}
